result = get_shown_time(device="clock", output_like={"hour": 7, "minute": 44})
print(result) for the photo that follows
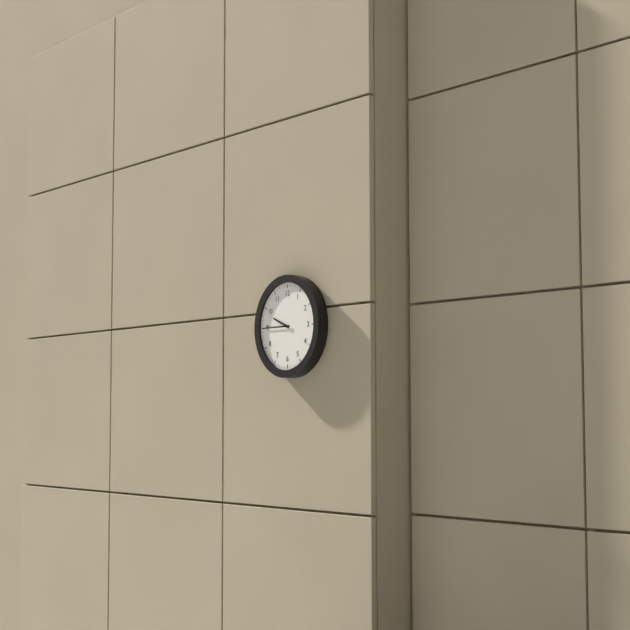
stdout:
{"hour": 9, "minute": 45}
